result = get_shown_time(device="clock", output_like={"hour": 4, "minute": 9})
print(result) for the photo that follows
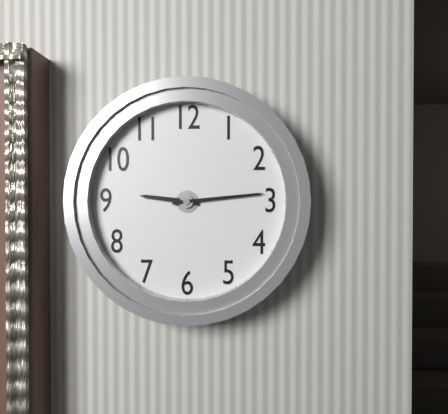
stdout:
{"hour": 9, "minute": 14}
